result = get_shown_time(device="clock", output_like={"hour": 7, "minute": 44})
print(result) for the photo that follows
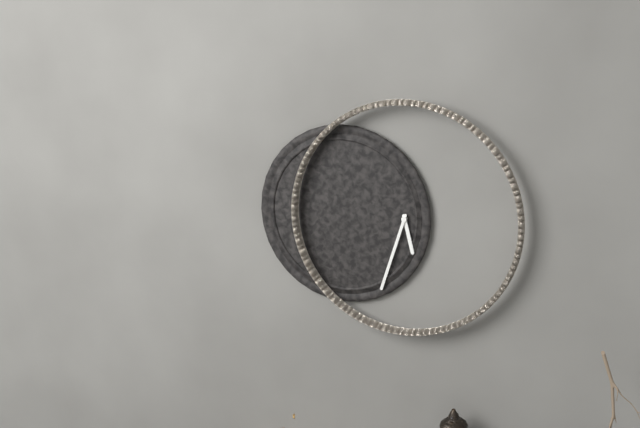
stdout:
{"hour": 5, "minute": 33}
